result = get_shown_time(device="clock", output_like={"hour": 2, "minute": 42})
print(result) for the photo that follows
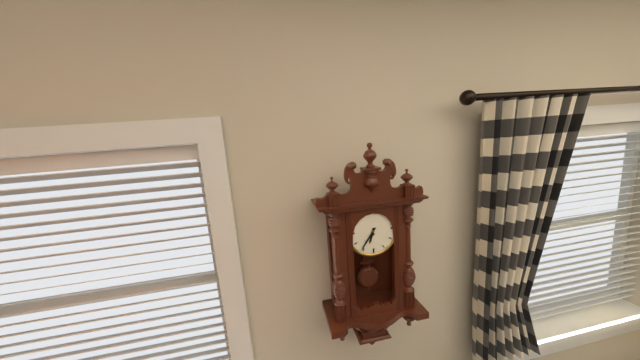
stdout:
{"hour": 6, "minute": 36}
